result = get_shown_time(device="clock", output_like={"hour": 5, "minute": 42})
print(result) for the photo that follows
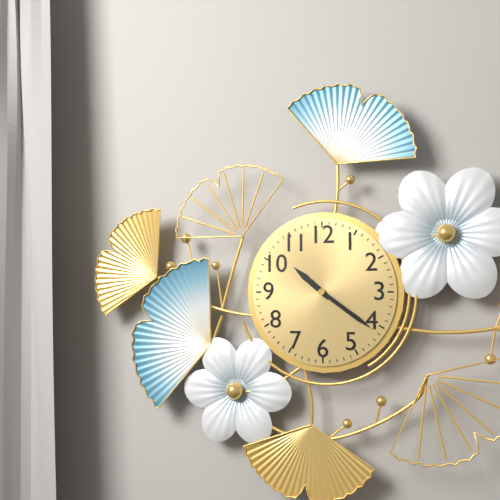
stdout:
{"hour": 10, "minute": 21}
